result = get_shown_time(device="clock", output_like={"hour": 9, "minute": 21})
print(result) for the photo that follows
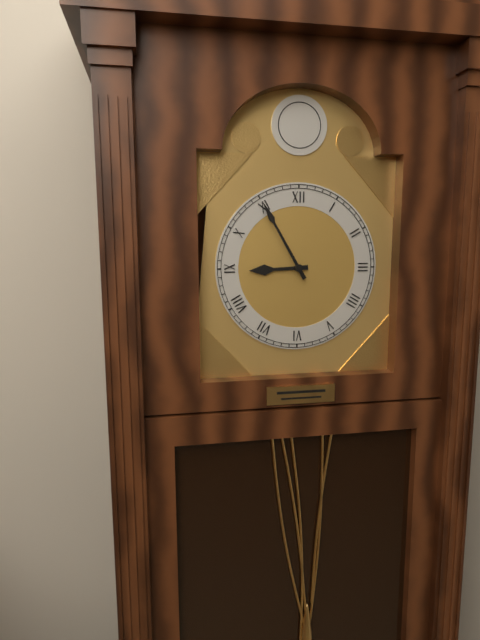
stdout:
{"hour": 8, "minute": 55}
